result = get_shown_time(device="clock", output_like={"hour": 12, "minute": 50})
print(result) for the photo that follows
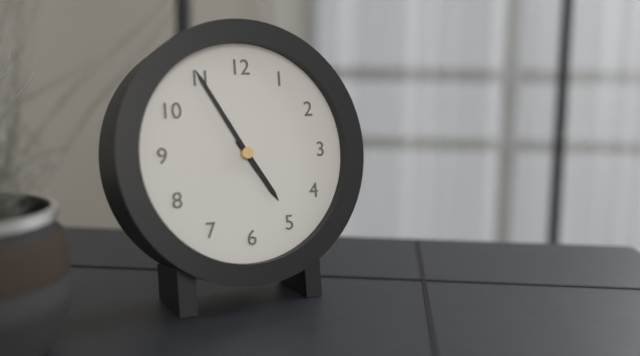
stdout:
{"hour": 4, "minute": 55}
